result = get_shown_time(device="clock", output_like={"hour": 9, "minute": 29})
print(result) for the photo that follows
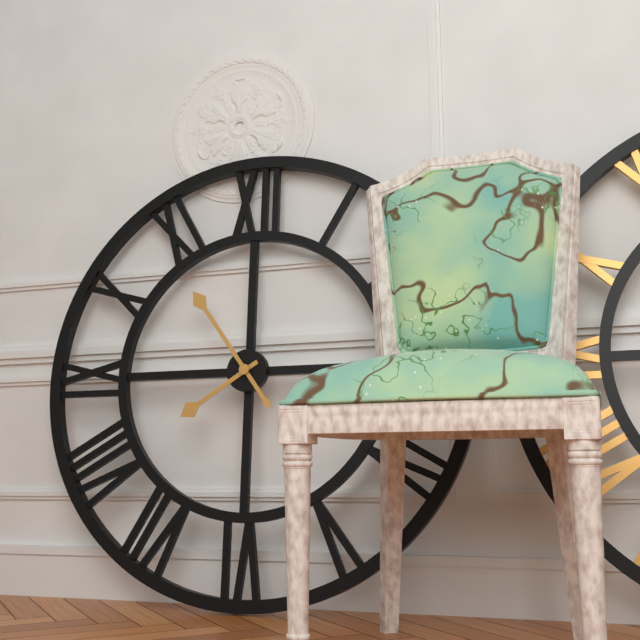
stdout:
{"hour": 7, "minute": 54}
